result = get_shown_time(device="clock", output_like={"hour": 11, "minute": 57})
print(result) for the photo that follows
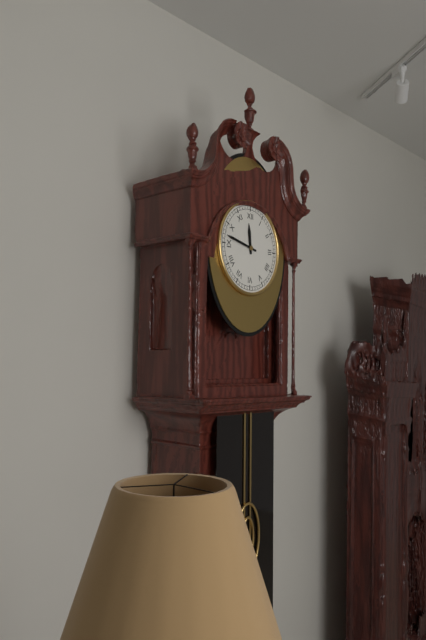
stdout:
{"hour": 11, "minute": 47}
